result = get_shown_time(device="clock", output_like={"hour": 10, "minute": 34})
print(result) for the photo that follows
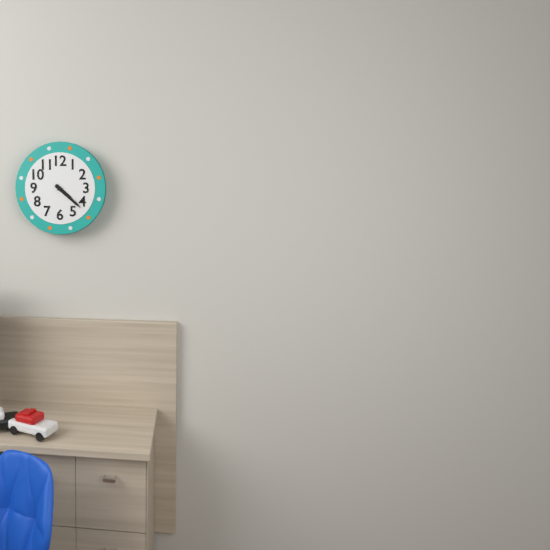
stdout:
{"hour": 4, "minute": 22}
